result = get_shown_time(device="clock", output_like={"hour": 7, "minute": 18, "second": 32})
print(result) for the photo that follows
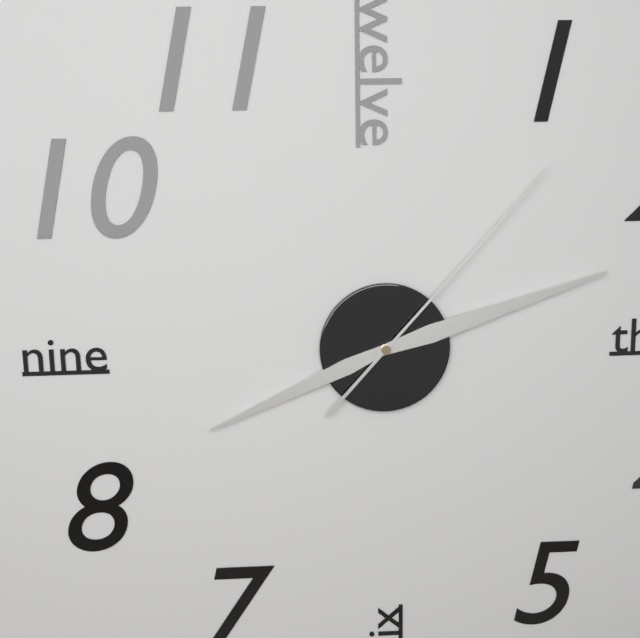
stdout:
{"hour": 8, "minute": 12, "second": 7}
